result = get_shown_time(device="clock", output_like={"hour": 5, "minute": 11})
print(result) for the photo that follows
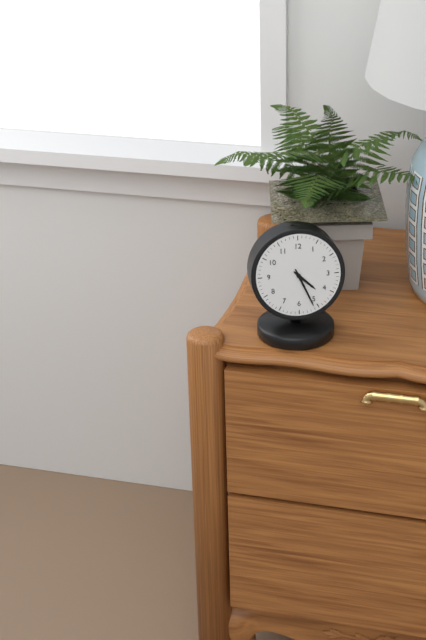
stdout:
{"hour": 4, "minute": 26}
